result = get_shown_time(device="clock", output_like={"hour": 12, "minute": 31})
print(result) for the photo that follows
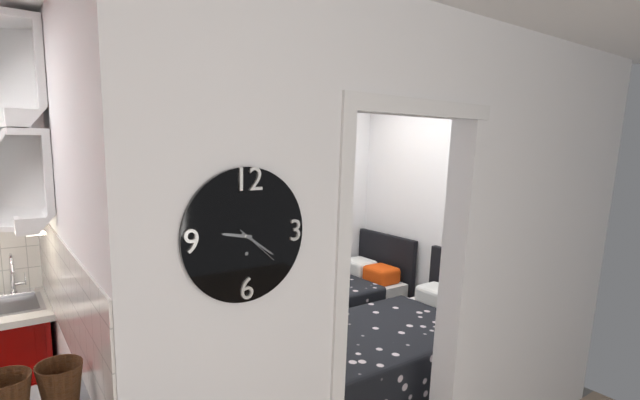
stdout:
{"hour": 9, "minute": 21}
